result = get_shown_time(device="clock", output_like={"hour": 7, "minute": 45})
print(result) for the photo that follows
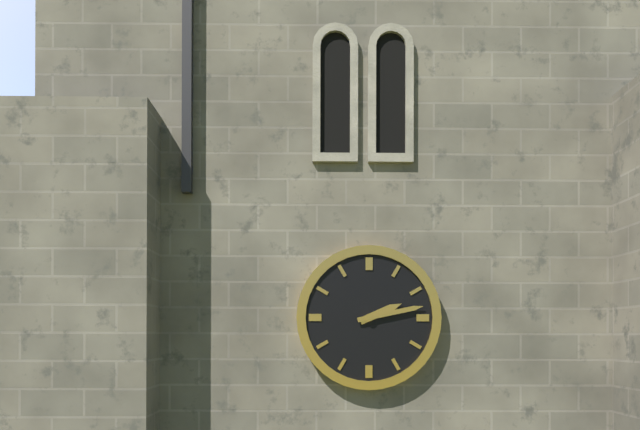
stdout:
{"hour": 2, "minute": 13}
